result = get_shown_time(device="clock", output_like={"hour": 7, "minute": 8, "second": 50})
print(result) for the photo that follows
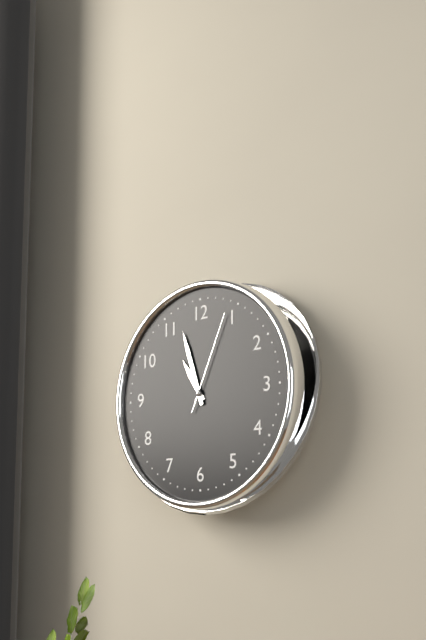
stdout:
{"hour": 10, "minute": 57, "second": 4}
